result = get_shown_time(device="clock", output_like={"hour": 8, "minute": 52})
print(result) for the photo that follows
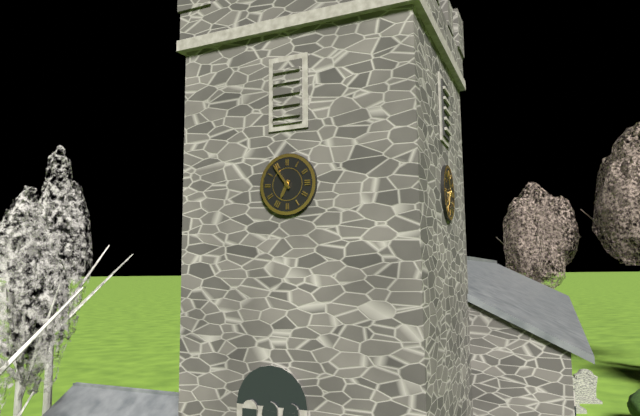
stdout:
{"hour": 6, "minute": 54}
